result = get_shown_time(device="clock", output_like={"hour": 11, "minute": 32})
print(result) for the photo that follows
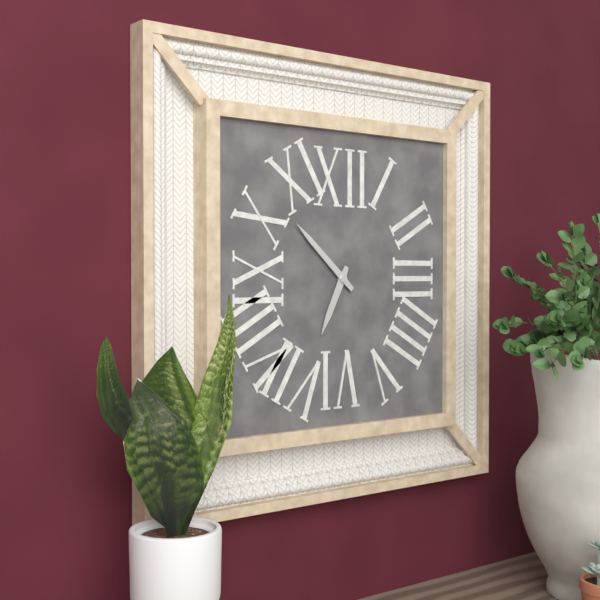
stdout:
{"hour": 6, "minute": 52}
